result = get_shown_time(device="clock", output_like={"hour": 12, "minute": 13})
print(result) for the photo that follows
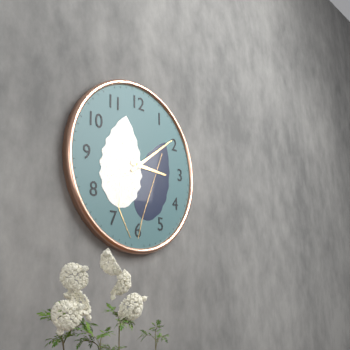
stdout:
{"hour": 3, "minute": 9}
